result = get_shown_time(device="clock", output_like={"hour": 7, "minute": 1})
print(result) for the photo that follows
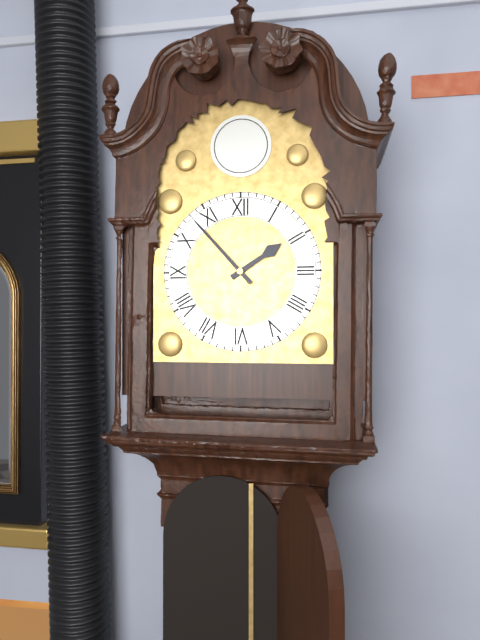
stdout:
{"hour": 1, "minute": 53}
